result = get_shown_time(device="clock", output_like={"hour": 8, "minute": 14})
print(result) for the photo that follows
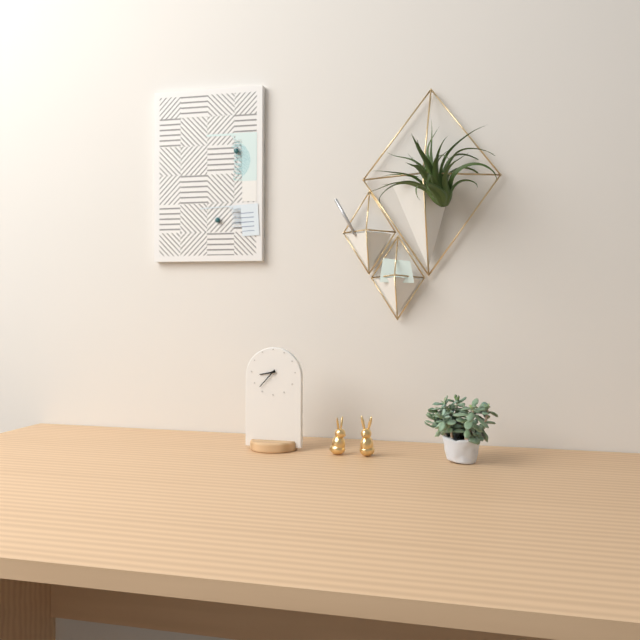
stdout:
{"hour": 8, "minute": 37}
